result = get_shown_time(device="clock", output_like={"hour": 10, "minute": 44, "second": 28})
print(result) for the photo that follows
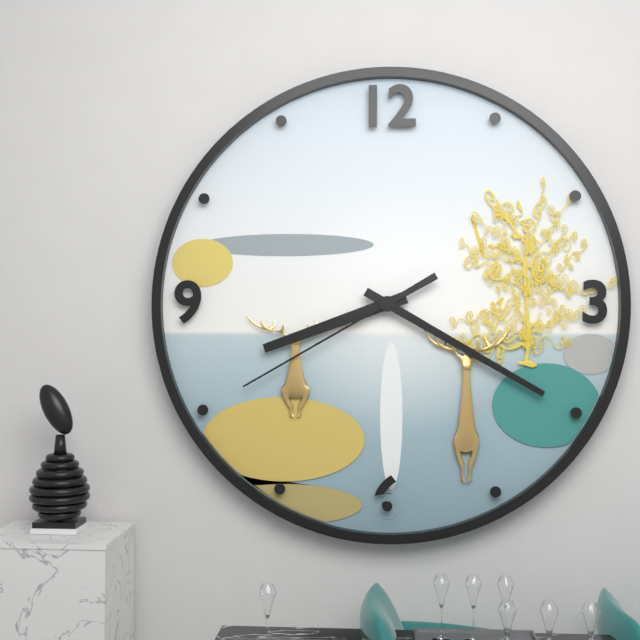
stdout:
{"hour": 8, "minute": 20, "second": 40}
